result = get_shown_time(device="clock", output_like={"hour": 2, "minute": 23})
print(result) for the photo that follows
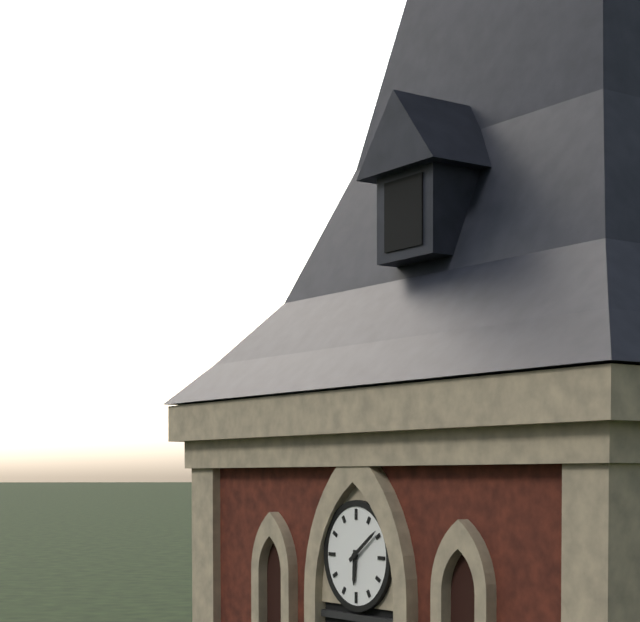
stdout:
{"hour": 6, "minute": 9}
